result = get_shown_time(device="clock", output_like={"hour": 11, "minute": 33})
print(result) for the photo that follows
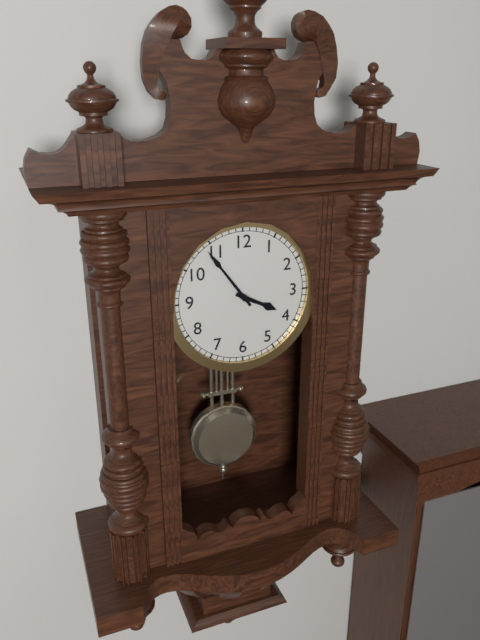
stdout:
{"hour": 3, "minute": 54}
